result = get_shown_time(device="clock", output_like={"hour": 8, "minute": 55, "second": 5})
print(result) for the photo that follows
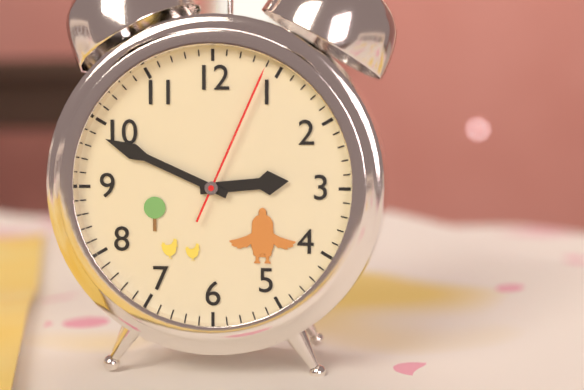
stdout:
{"hour": 2, "minute": 49, "second": 4}
